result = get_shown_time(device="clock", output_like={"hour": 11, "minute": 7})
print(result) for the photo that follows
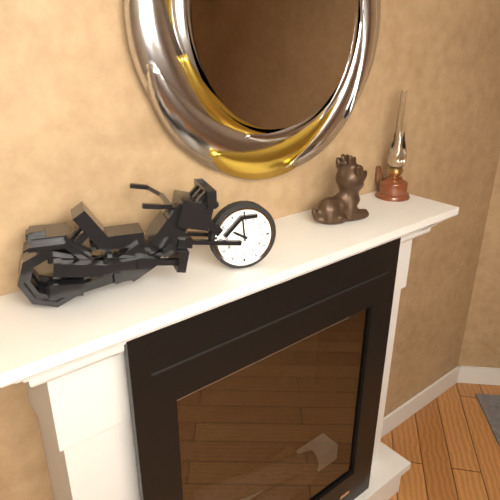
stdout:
{"hour": 9, "minute": 59}
